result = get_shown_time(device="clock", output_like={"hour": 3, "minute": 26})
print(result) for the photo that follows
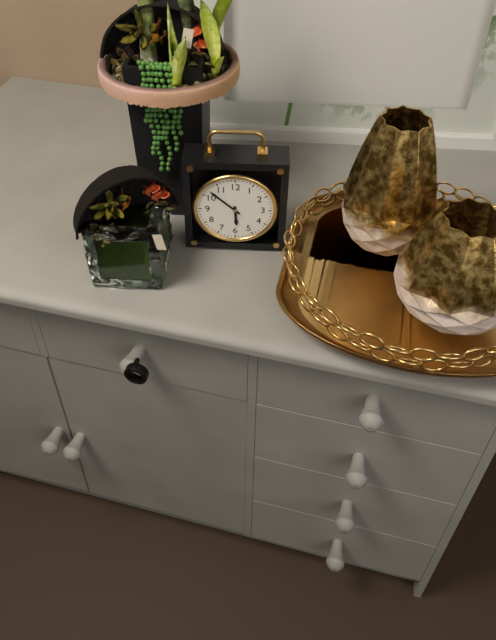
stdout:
{"hour": 5, "minute": 52}
